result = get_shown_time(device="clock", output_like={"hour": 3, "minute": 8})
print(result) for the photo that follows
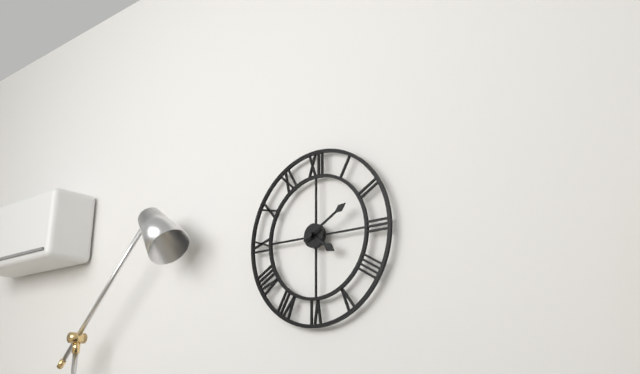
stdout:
{"hour": 4, "minute": 10}
